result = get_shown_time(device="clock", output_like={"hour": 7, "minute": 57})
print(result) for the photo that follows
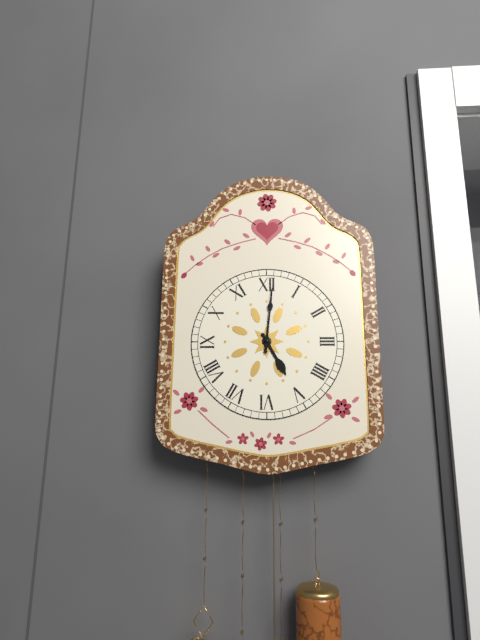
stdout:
{"hour": 5, "minute": 1}
